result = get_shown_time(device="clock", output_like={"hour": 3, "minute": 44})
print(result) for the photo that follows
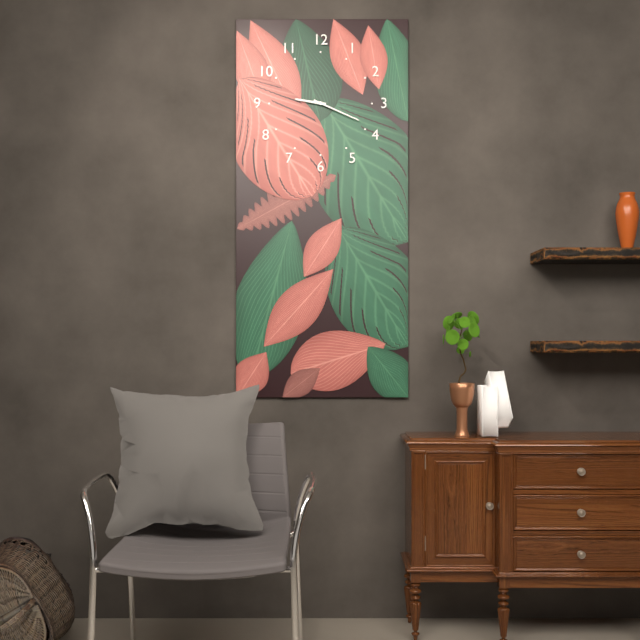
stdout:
{"hour": 9, "minute": 19}
